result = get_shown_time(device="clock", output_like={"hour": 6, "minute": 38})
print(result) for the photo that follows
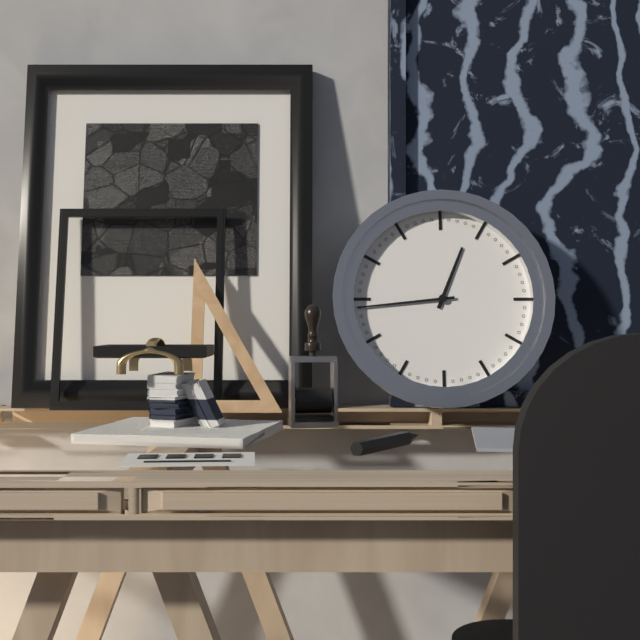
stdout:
{"hour": 12, "minute": 44}
